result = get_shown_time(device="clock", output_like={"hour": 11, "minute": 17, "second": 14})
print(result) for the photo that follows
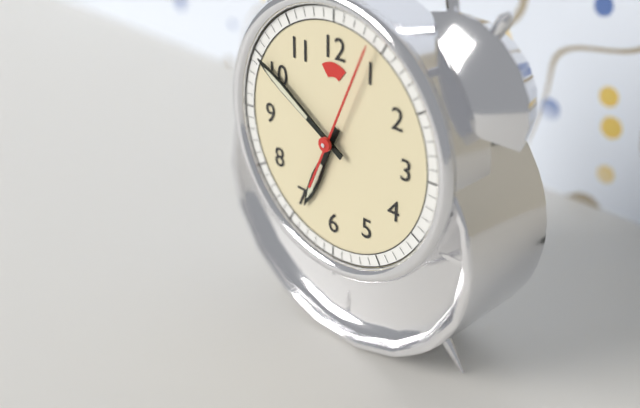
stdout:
{"hour": 6, "minute": 50, "second": 4}
